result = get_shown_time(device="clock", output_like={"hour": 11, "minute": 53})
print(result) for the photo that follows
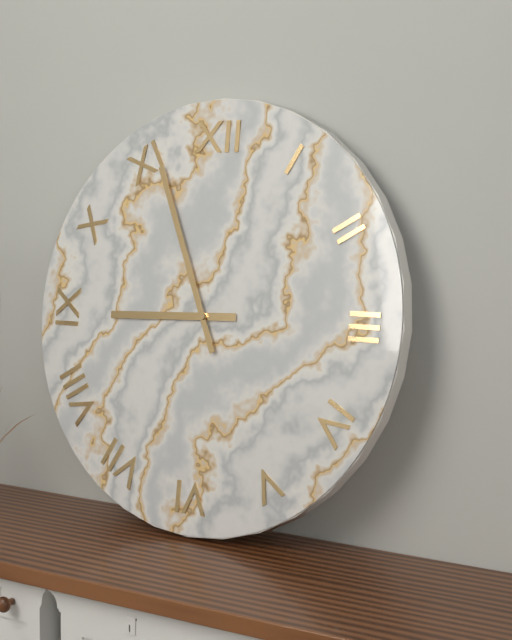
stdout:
{"hour": 8, "minute": 56}
